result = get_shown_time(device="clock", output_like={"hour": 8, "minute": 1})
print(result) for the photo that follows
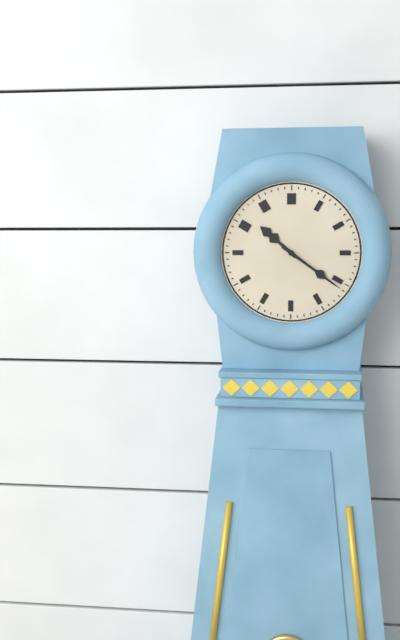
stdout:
{"hour": 10, "minute": 21}
